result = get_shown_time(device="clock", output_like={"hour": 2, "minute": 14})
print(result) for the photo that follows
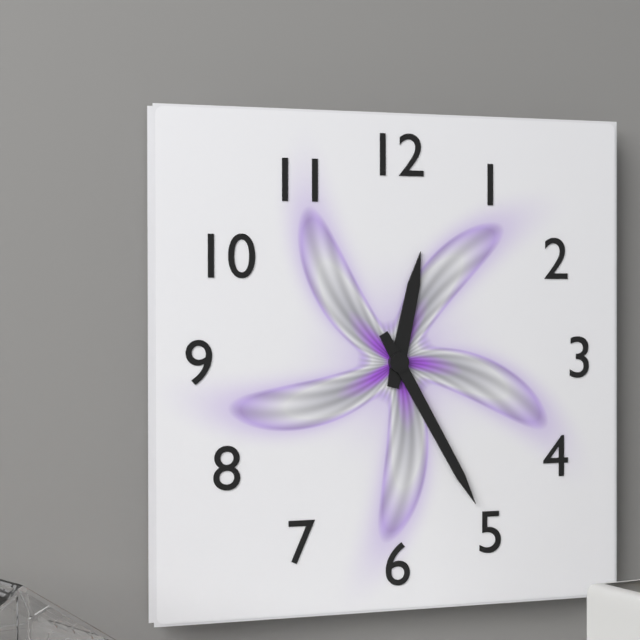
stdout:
{"hour": 12, "minute": 25}
